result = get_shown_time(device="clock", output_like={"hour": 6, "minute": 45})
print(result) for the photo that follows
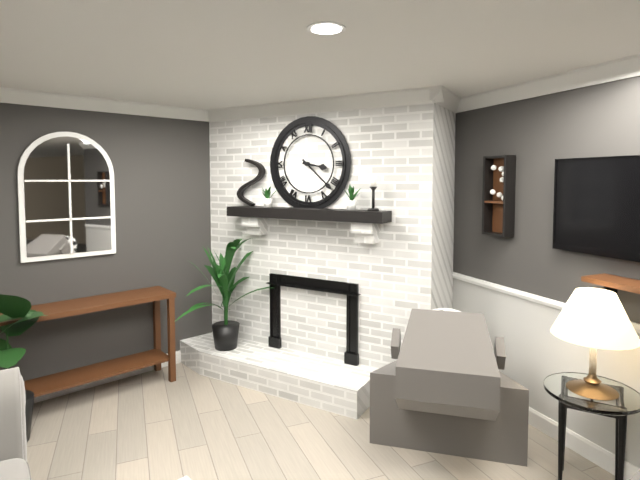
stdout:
{"hour": 3, "minute": 22}
